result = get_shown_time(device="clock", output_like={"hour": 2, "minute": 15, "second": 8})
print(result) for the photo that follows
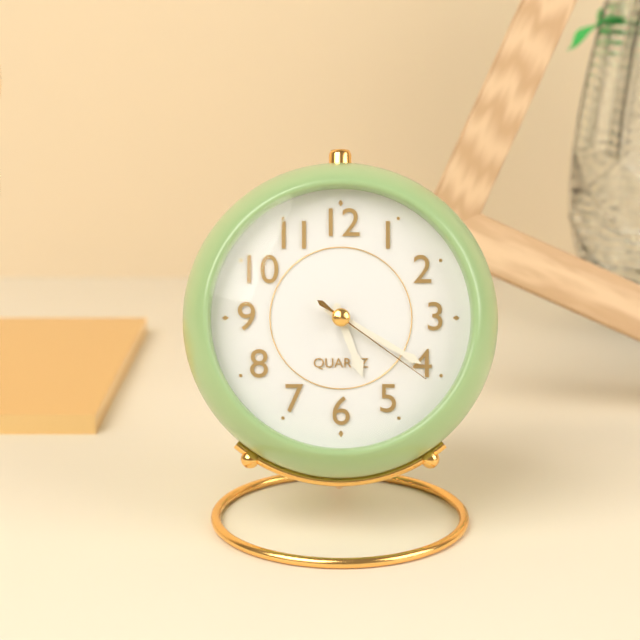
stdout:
{"hour": 5, "minute": 20, "second": 21}
